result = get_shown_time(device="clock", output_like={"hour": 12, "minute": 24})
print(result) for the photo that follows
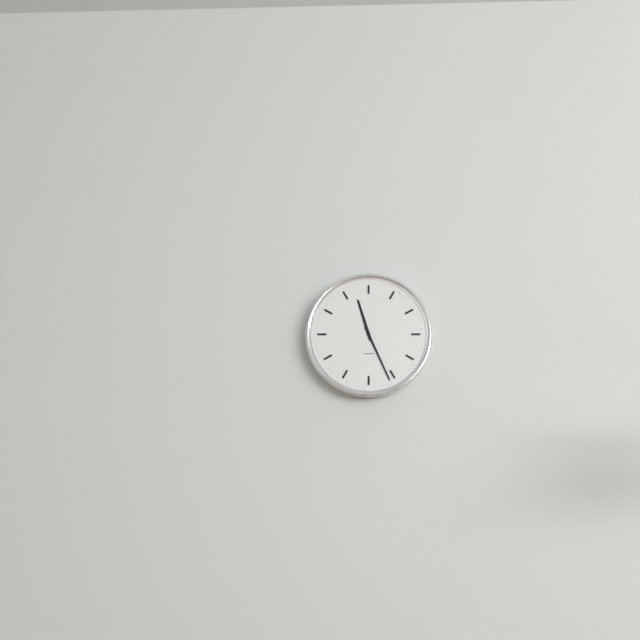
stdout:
{"hour": 11, "minute": 26}
